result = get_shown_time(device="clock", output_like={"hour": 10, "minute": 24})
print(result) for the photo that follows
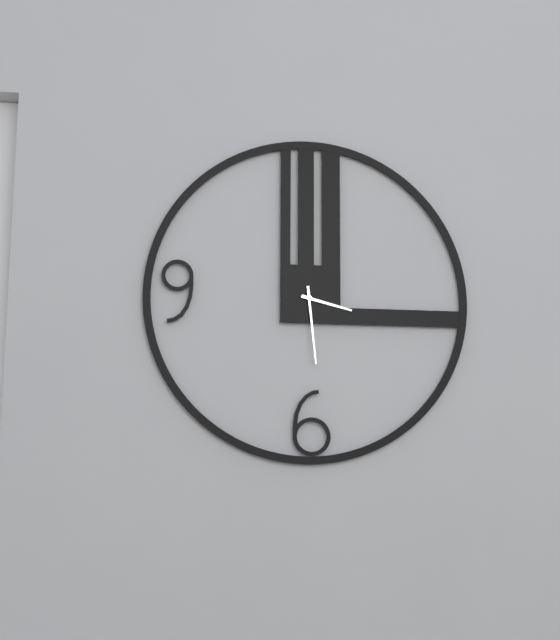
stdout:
{"hour": 3, "minute": 29}
